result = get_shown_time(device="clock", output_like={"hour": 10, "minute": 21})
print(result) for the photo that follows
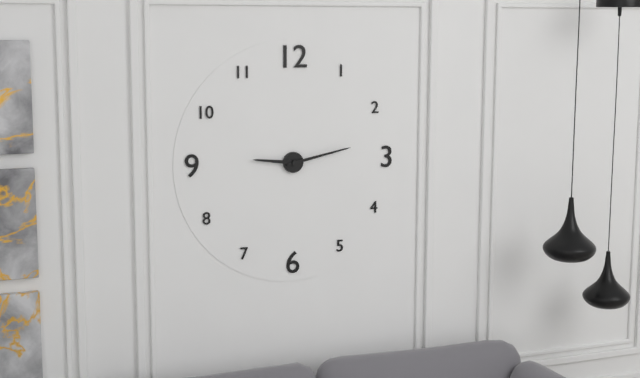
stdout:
{"hour": 9, "minute": 13}
